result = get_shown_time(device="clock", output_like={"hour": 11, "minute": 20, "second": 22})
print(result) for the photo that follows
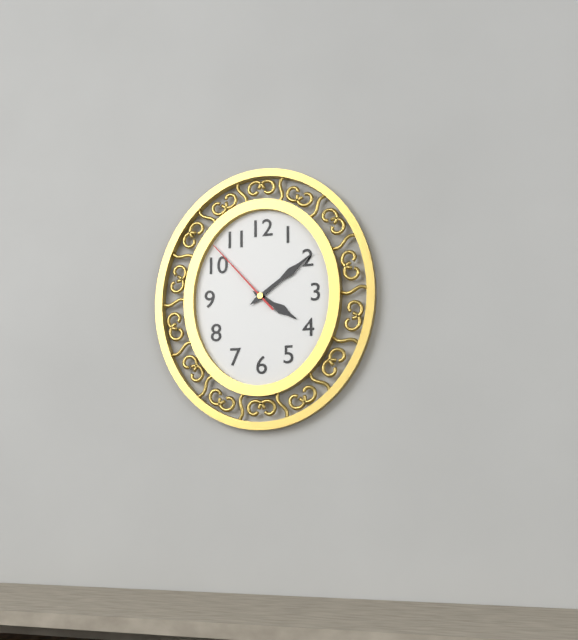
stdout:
{"hour": 4, "minute": 9, "second": 53}
